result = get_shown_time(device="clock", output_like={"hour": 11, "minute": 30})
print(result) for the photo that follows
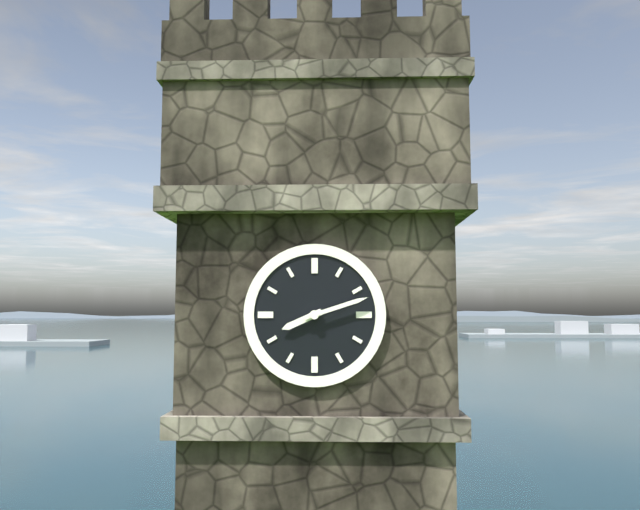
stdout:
{"hour": 8, "minute": 12}
